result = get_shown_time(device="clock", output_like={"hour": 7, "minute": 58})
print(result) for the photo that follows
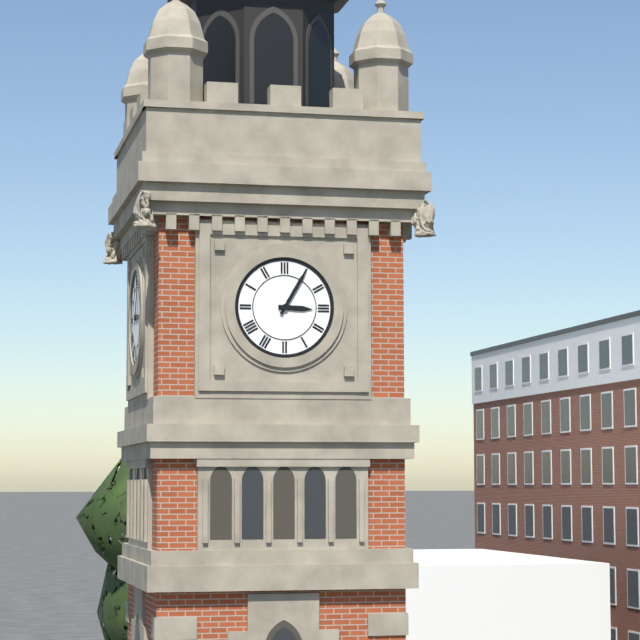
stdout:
{"hour": 3, "minute": 5}
